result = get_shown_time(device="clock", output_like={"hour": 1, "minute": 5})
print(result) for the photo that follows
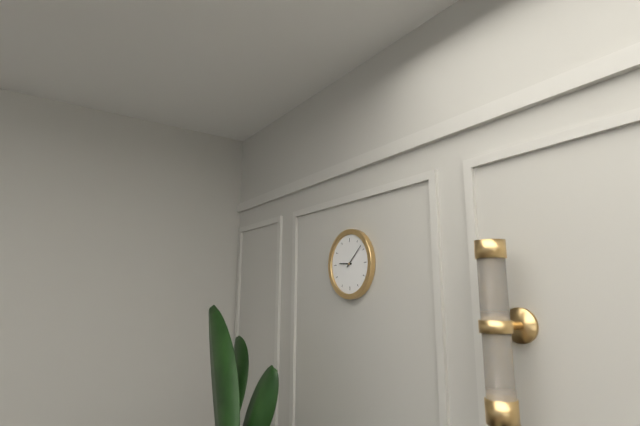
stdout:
{"hour": 9, "minute": 8}
